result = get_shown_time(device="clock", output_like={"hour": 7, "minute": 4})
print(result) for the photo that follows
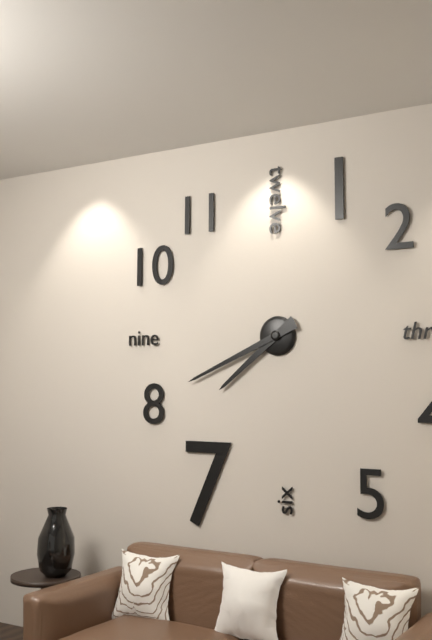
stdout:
{"hour": 7, "minute": 41}
